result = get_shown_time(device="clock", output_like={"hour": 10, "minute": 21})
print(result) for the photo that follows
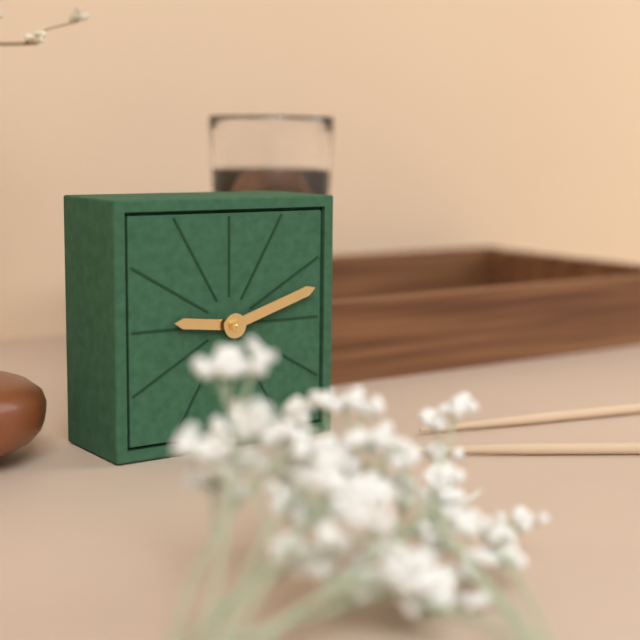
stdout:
{"hour": 9, "minute": 12}
